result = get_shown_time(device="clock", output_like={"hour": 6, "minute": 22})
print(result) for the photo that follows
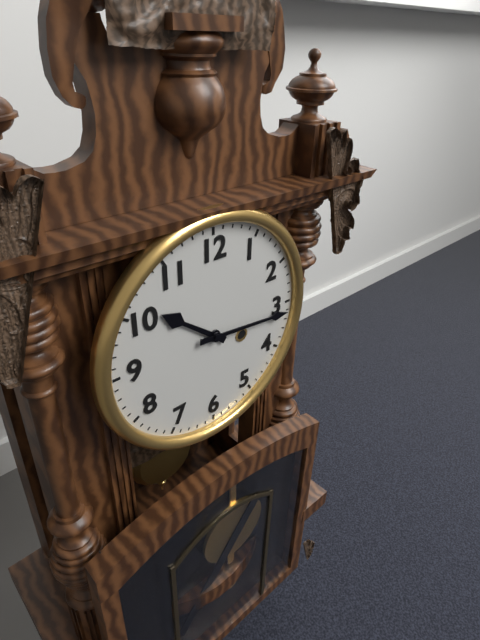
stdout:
{"hour": 10, "minute": 16}
